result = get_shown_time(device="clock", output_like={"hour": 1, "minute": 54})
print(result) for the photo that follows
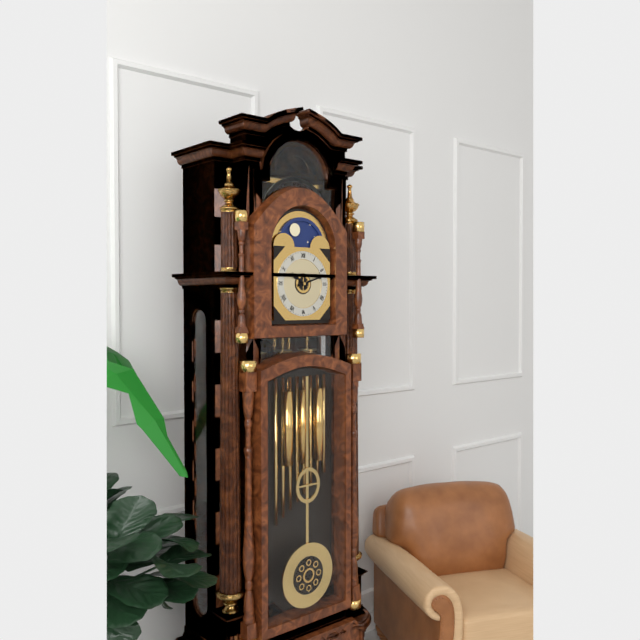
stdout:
{"hour": 10, "minute": 12}
